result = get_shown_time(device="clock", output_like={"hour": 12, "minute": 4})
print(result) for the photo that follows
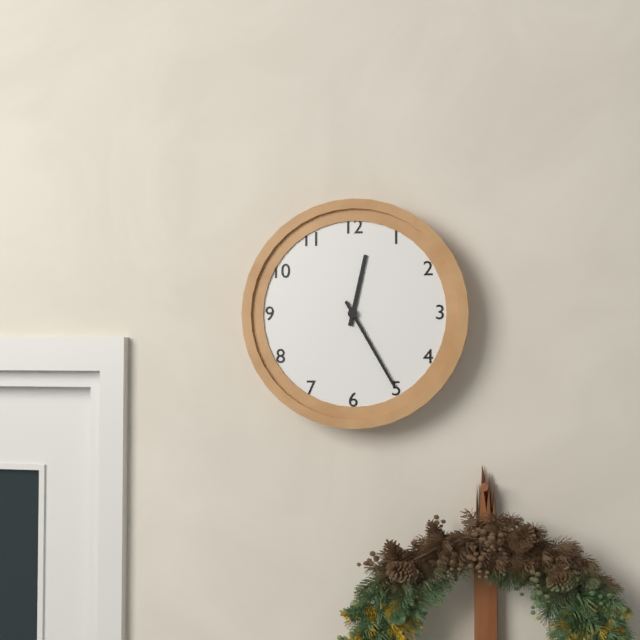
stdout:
{"hour": 12, "minute": 25}
